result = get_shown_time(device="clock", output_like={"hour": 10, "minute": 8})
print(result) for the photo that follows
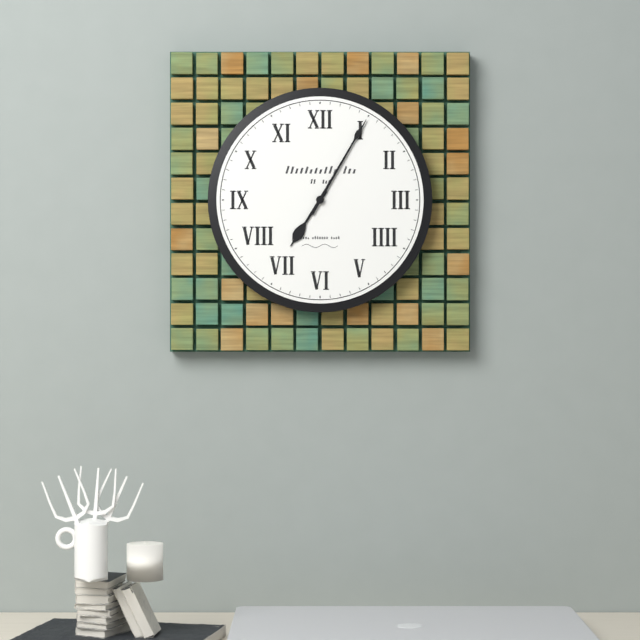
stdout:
{"hour": 7, "minute": 5}
